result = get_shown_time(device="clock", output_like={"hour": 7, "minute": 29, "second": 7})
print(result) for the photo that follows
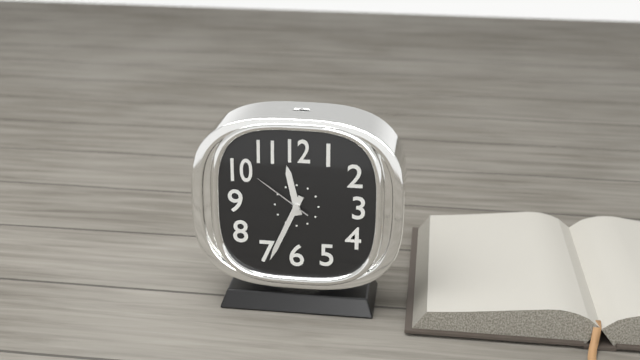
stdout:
{"hour": 11, "minute": 34, "second": 51}
